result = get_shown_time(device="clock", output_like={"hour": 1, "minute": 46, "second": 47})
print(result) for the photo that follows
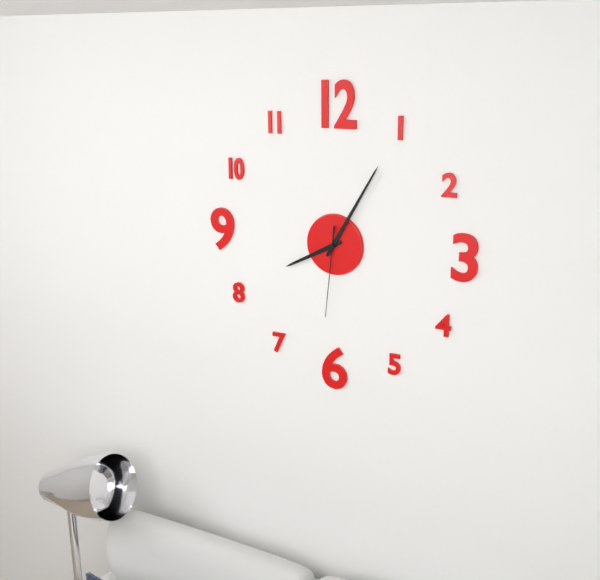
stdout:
{"hour": 8, "minute": 5, "second": 31}
